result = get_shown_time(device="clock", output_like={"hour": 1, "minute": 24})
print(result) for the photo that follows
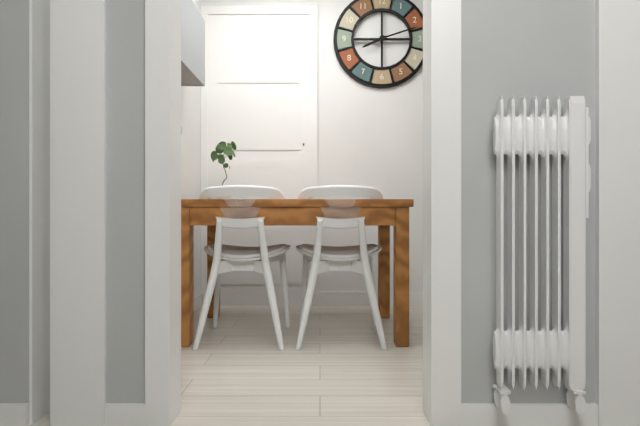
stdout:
{"hour": 8, "minute": 12}
